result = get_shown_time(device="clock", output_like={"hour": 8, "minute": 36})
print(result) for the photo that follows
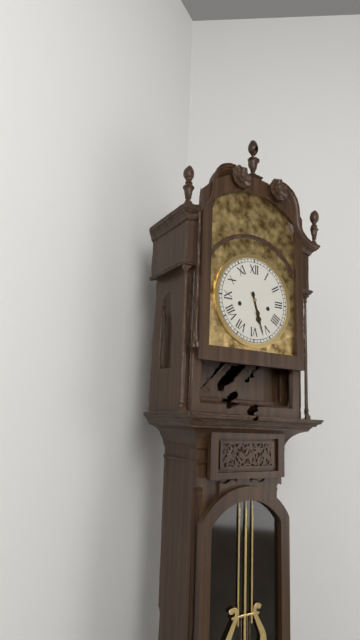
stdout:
{"hour": 5, "minute": 27}
